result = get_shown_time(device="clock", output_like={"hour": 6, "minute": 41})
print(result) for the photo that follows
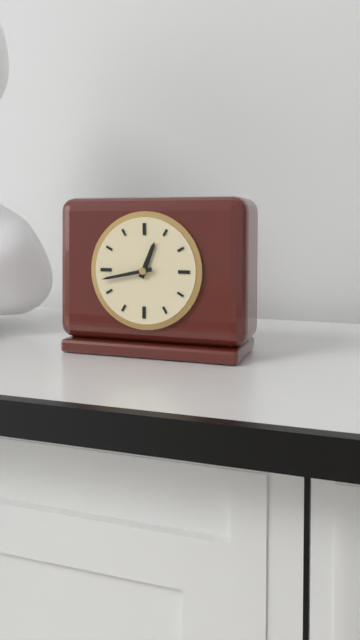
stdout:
{"hour": 12, "minute": 43}
